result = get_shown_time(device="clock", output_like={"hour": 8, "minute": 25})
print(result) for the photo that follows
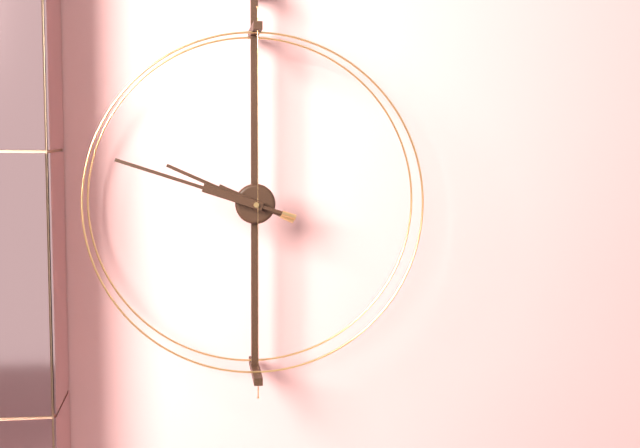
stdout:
{"hour": 9, "minute": 48}
